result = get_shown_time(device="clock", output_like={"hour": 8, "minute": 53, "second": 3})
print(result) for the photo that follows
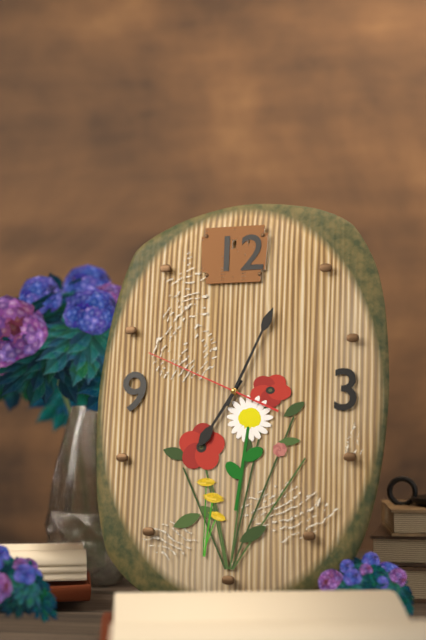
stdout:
{"hour": 7, "minute": 4, "second": 49}
